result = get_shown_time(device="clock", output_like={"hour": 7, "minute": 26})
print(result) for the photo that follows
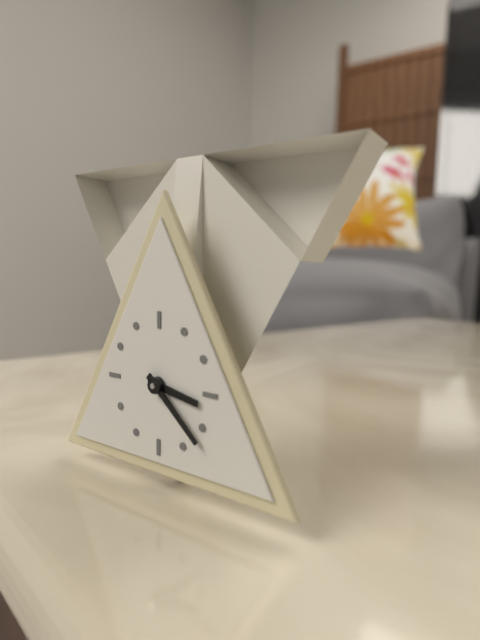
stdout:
{"hour": 3, "minute": 22}
